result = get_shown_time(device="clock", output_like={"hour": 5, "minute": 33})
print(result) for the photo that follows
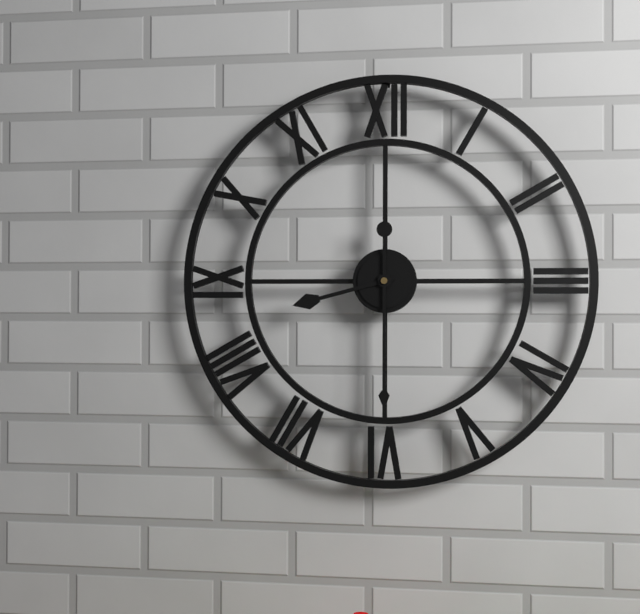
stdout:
{"hour": 8, "minute": 30}
